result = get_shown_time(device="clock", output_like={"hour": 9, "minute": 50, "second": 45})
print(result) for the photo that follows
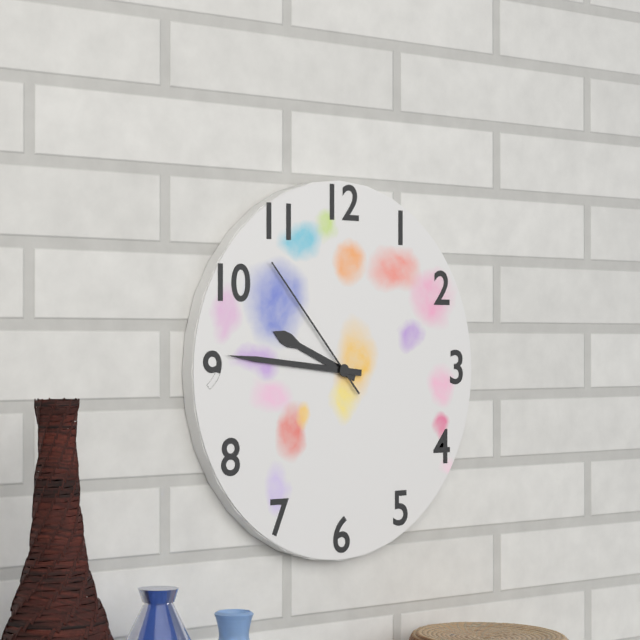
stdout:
{"hour": 9, "minute": 46, "second": 53}
